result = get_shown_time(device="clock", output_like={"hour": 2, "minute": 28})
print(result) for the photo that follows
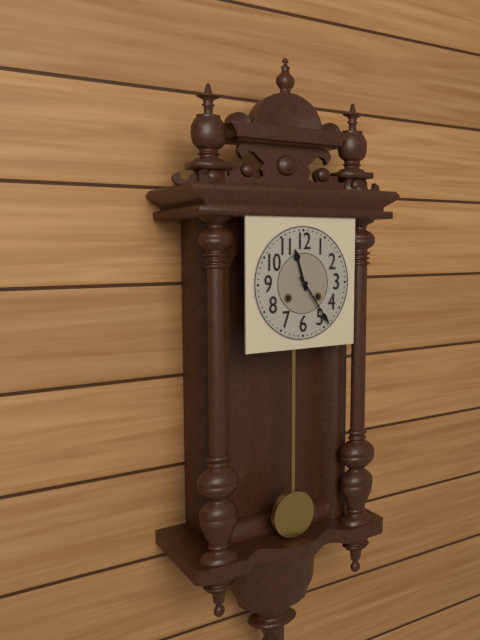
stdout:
{"hour": 11, "minute": 24}
